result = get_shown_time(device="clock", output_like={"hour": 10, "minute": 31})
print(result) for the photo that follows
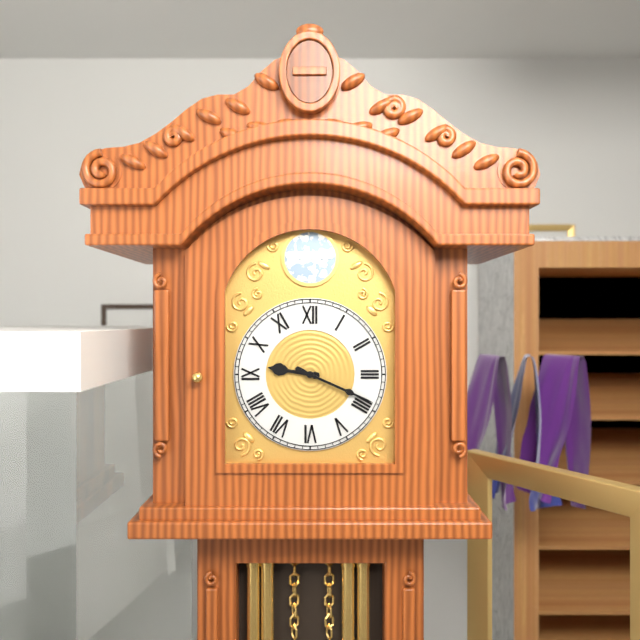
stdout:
{"hour": 9, "minute": 19}
